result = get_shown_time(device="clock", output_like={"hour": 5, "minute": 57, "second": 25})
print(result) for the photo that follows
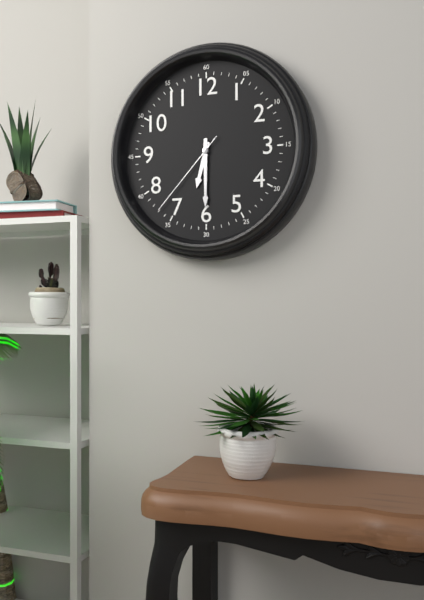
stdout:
{"hour": 6, "minute": 30, "second": 37}
